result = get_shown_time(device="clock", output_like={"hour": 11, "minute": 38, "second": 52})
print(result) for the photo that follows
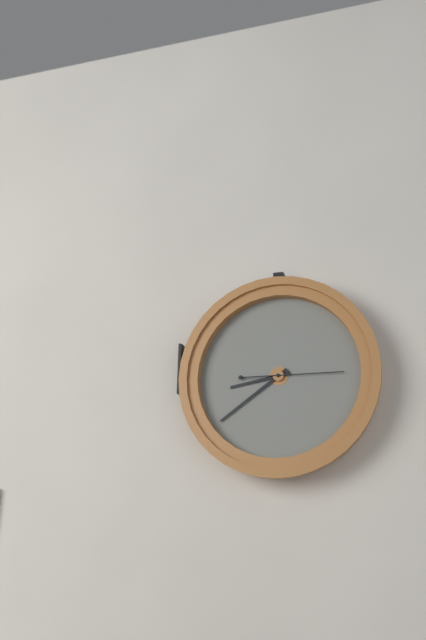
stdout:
{"hour": 8, "minute": 39, "second": 15}
